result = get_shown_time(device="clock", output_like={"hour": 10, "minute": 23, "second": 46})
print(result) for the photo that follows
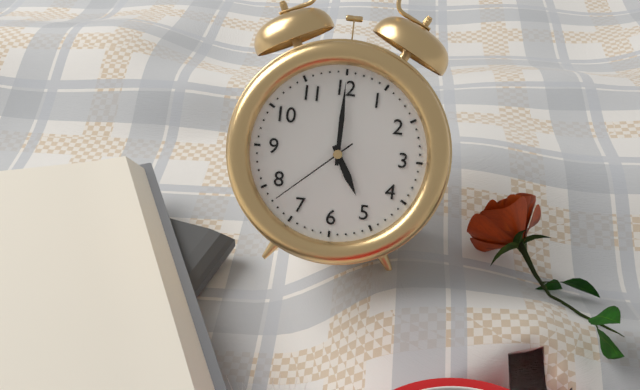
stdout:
{"hour": 5, "minute": 0, "second": 38}
